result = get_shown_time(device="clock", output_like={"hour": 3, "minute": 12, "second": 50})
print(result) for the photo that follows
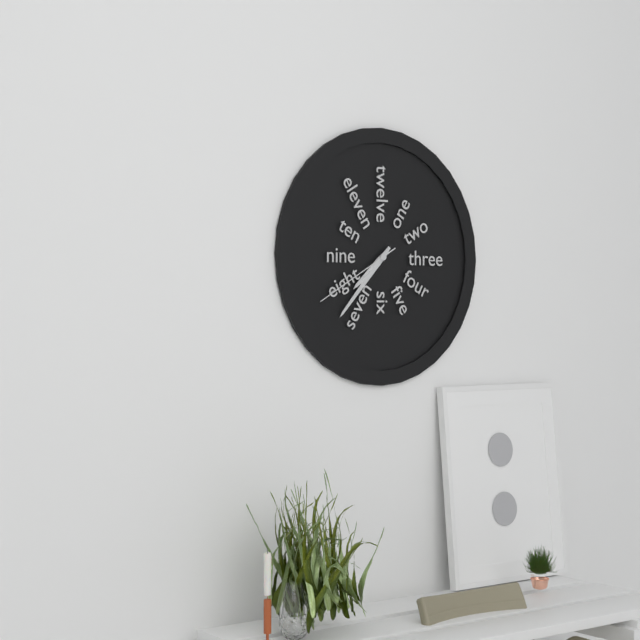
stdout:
{"hour": 7, "minute": 37, "second": 40}
